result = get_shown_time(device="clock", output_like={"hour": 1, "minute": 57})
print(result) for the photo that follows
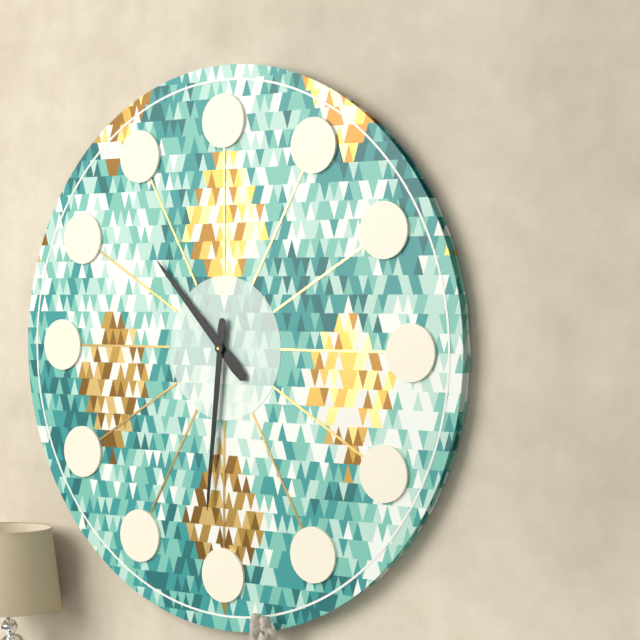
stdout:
{"hour": 10, "minute": 31}
